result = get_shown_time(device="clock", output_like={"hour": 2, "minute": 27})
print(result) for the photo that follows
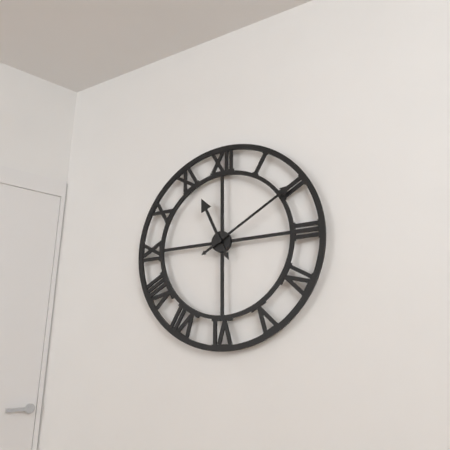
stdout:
{"hour": 11, "minute": 10}
